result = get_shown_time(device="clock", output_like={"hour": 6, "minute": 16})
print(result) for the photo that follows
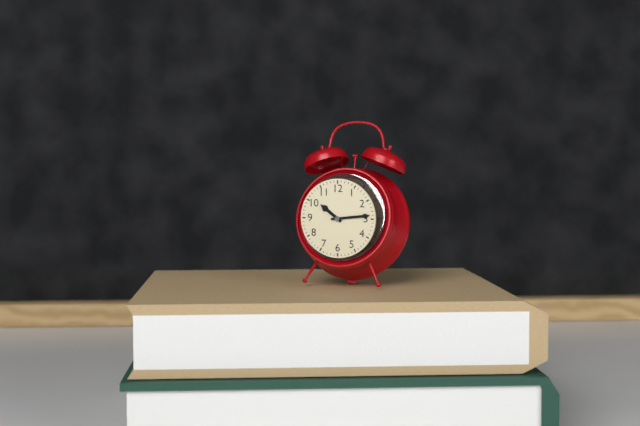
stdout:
{"hour": 10, "minute": 14}
